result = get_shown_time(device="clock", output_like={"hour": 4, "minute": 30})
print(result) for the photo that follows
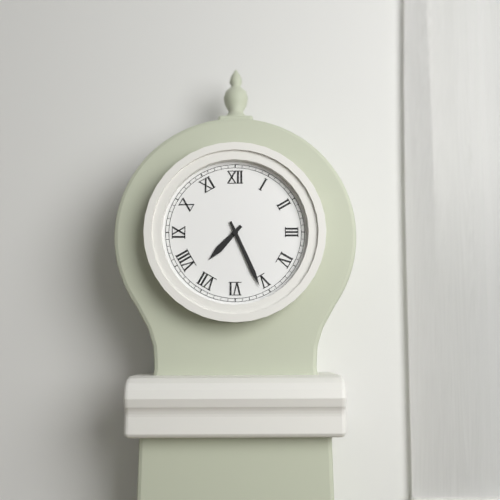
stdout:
{"hour": 7, "minute": 26}
